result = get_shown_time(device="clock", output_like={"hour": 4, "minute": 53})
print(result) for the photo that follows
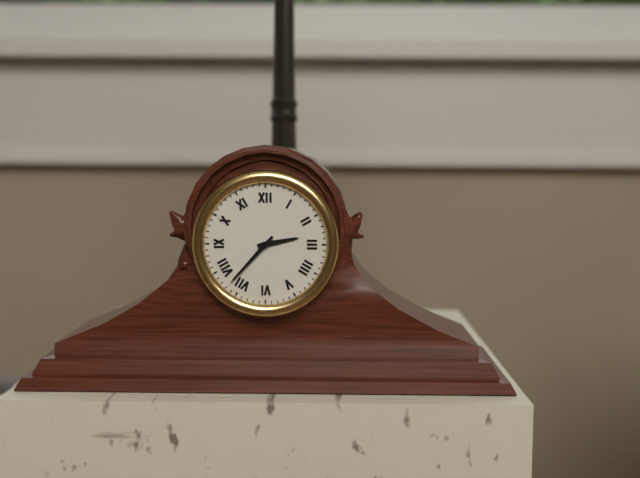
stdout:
{"hour": 2, "minute": 37}
